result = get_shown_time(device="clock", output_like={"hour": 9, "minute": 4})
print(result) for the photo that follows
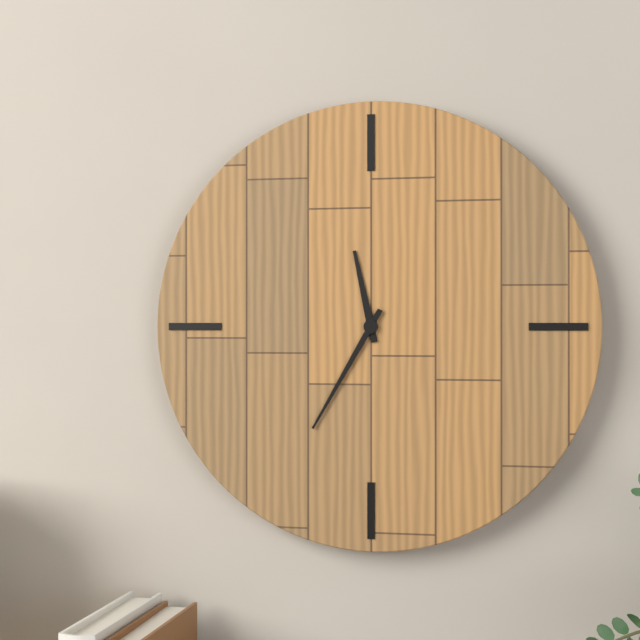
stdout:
{"hour": 11, "minute": 35}
